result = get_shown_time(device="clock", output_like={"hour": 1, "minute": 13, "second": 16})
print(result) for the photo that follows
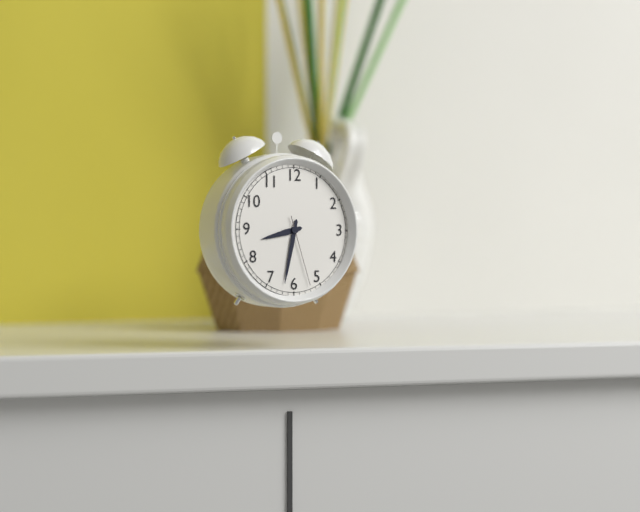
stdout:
{"hour": 8, "minute": 32, "second": 27}
